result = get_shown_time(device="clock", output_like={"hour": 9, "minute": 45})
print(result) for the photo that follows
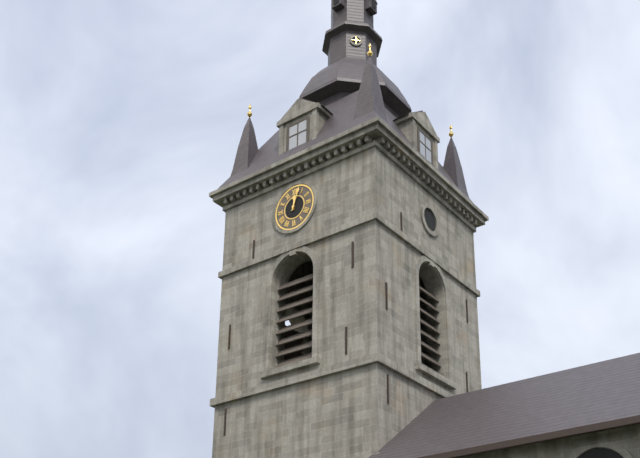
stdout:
{"hour": 12, "minute": 3}
